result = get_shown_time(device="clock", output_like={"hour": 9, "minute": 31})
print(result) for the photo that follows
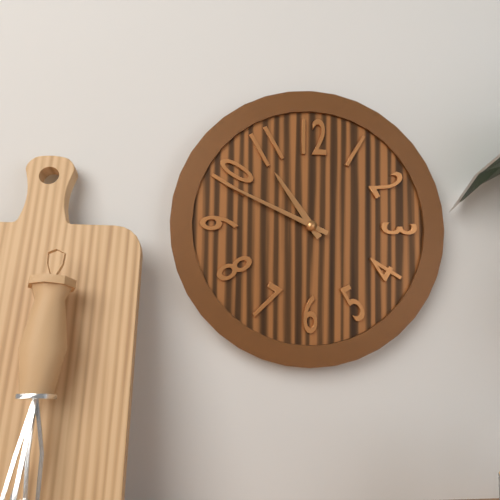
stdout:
{"hour": 10, "minute": 49}
